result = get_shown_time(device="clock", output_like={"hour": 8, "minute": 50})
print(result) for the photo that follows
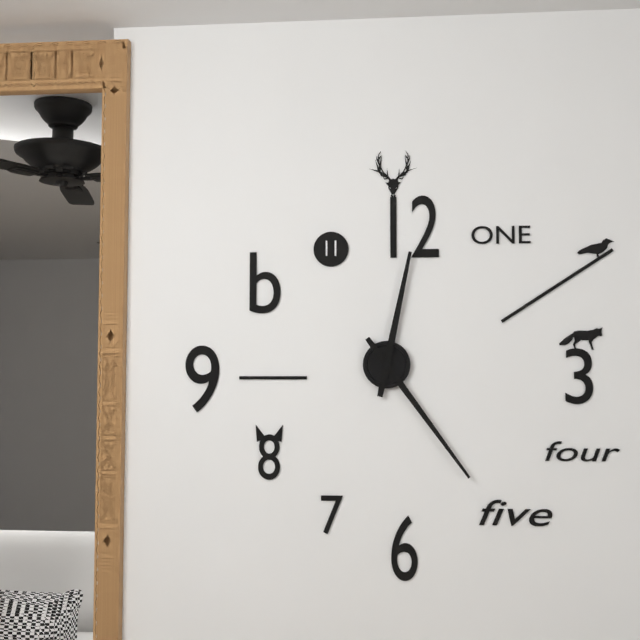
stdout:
{"hour": 12, "minute": 24}
